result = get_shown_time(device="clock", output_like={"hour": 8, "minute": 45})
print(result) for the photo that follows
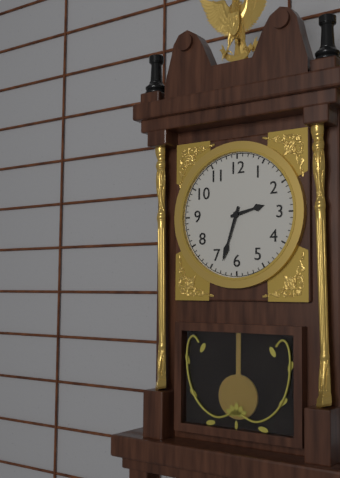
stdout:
{"hour": 2, "minute": 33}
